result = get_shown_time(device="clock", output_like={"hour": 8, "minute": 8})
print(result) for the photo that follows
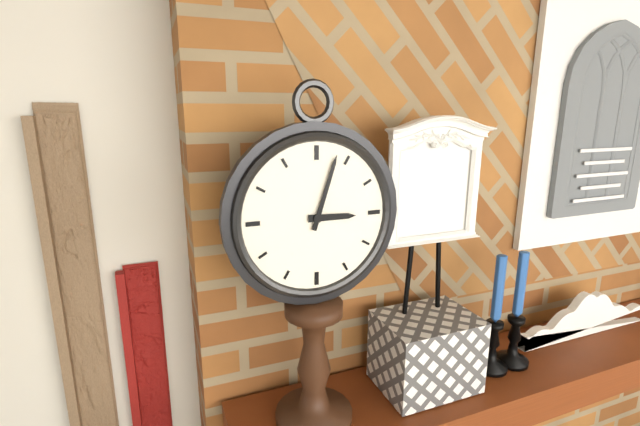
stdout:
{"hour": 3, "minute": 3}
